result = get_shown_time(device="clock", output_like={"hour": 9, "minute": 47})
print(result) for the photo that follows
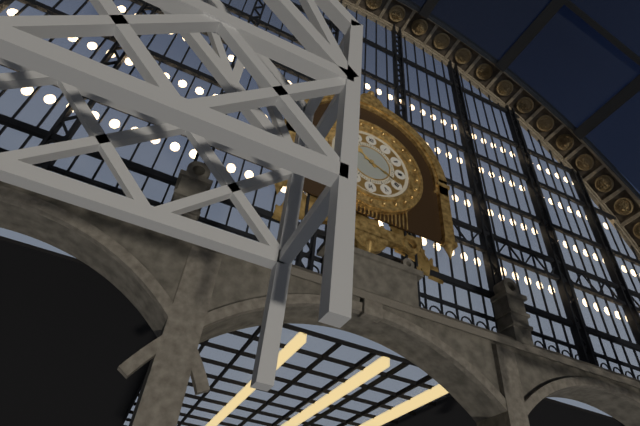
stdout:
{"hour": 10, "minute": 19}
